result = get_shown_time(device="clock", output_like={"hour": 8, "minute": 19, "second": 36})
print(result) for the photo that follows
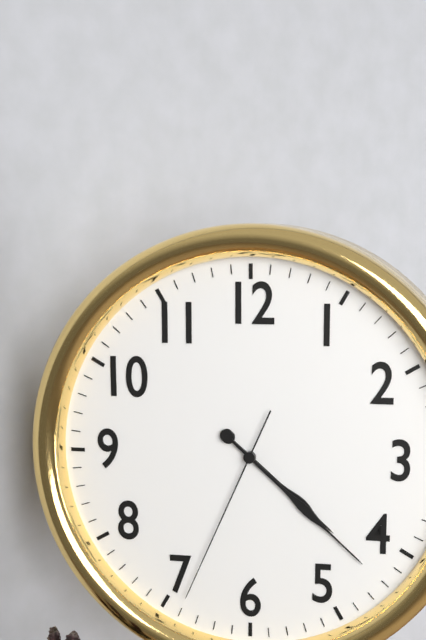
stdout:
{"hour": 4, "minute": 22, "second": 34}
